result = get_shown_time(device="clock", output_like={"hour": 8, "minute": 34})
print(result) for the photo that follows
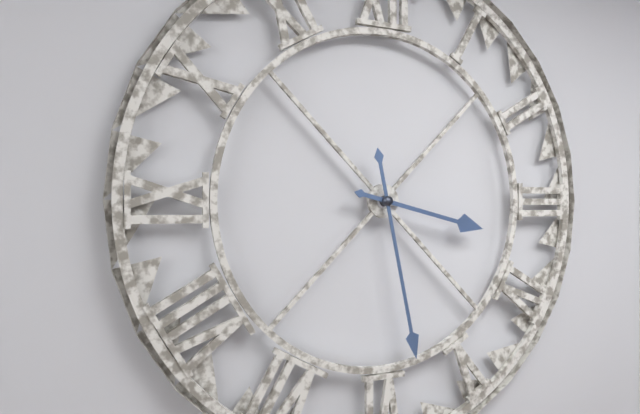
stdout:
{"hour": 3, "minute": 28}
